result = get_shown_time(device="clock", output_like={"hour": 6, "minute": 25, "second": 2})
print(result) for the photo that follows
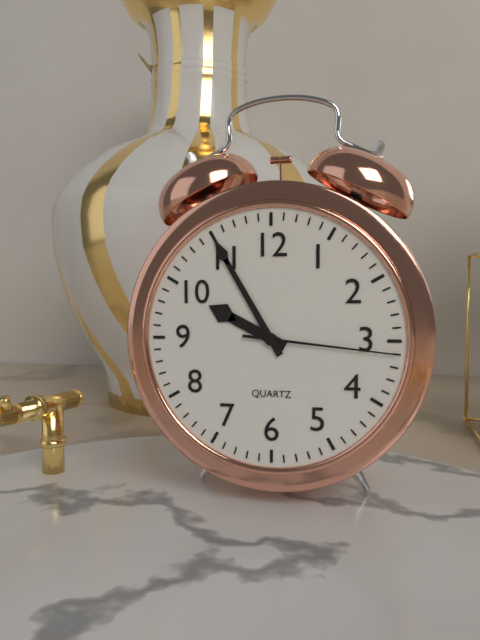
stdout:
{"hour": 9, "minute": 55, "second": 16}
